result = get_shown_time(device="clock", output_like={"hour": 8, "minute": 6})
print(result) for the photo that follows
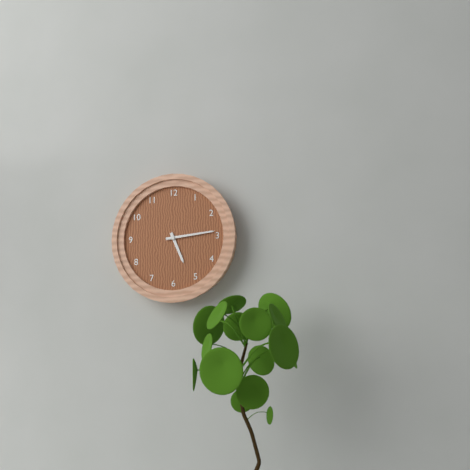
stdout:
{"hour": 5, "minute": 14}
